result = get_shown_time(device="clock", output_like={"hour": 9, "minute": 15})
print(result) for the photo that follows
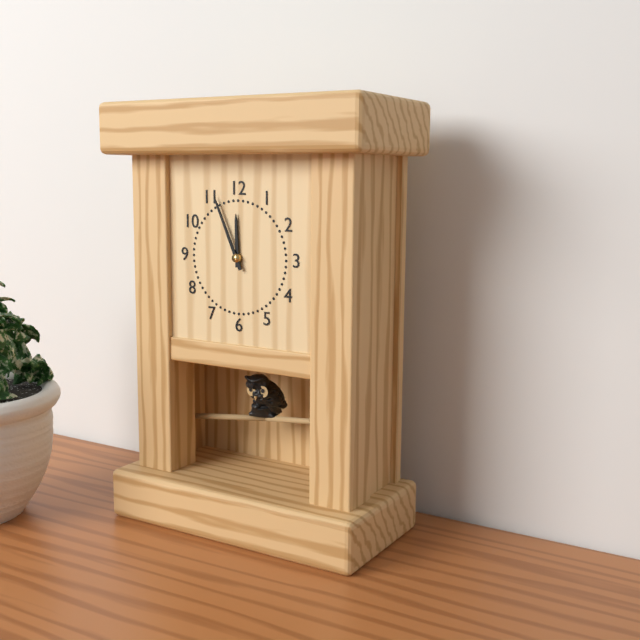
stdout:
{"hour": 11, "minute": 56}
